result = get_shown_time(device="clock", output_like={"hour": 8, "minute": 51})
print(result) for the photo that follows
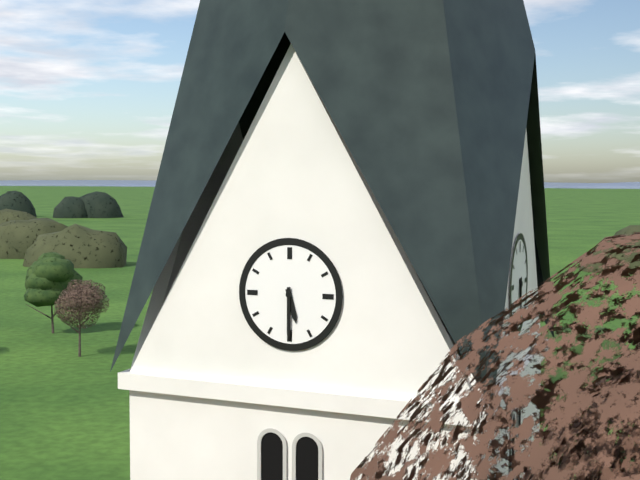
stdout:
{"hour": 5, "minute": 30}
